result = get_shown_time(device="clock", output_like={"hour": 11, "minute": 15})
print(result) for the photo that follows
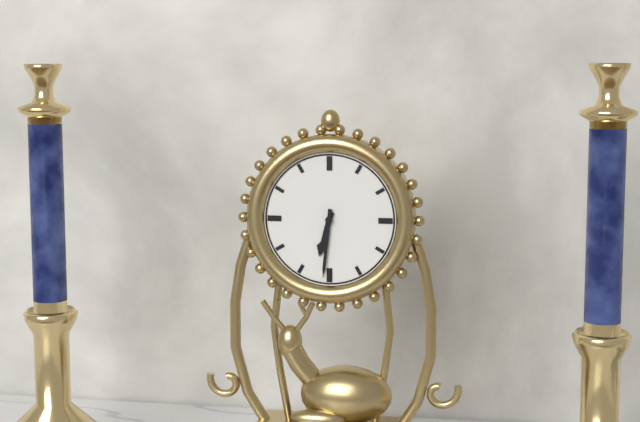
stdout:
{"hour": 6, "minute": 31}
